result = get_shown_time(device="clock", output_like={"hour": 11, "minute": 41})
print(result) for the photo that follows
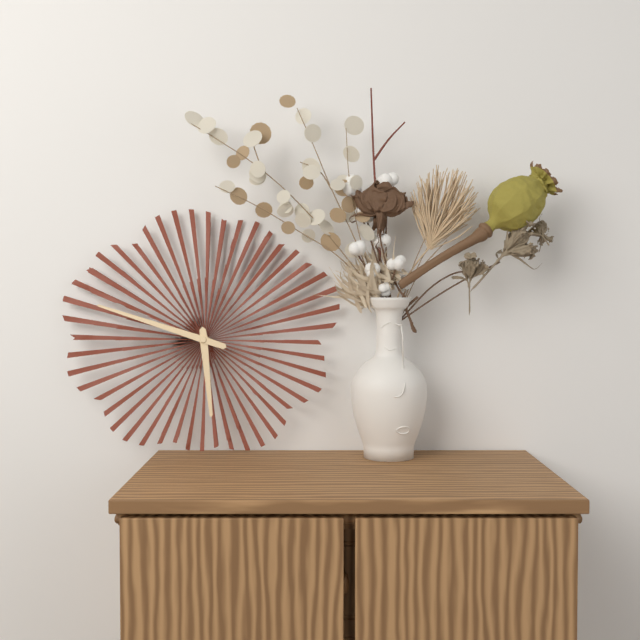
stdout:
{"hour": 5, "minute": 48}
